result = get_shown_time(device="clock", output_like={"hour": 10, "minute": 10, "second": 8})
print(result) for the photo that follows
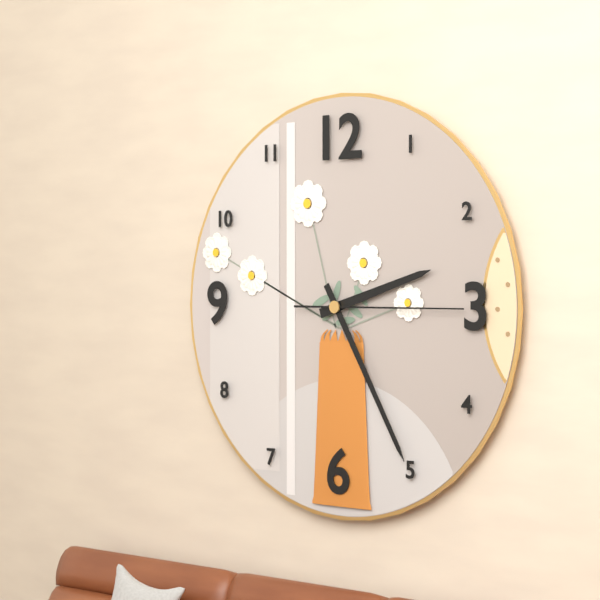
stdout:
{"hour": 2, "minute": 25, "second": 15}
